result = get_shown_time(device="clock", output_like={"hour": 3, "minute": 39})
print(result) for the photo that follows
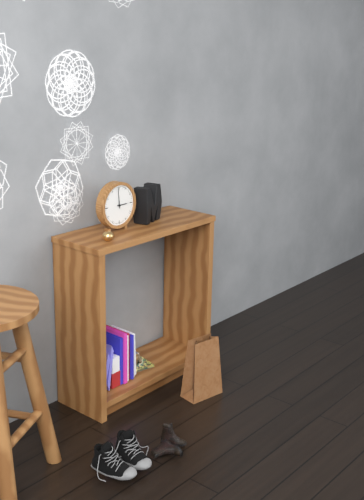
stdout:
{"hour": 2, "minute": 59}
